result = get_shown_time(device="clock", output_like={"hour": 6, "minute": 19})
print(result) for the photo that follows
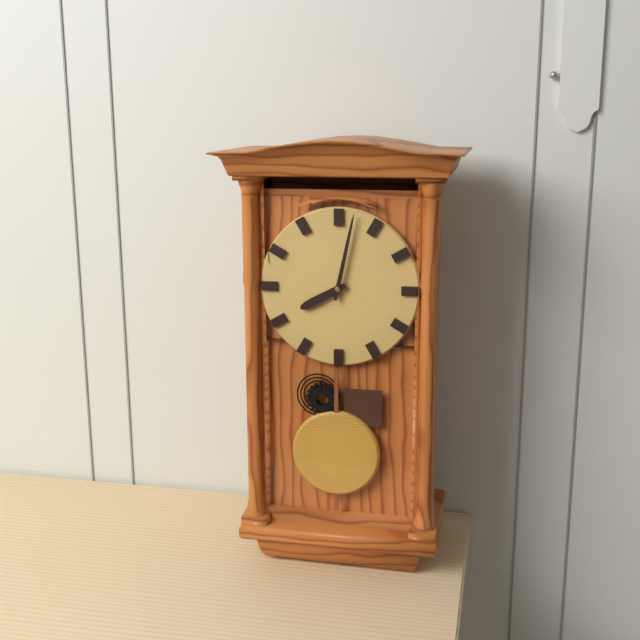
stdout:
{"hour": 8, "minute": 2}
